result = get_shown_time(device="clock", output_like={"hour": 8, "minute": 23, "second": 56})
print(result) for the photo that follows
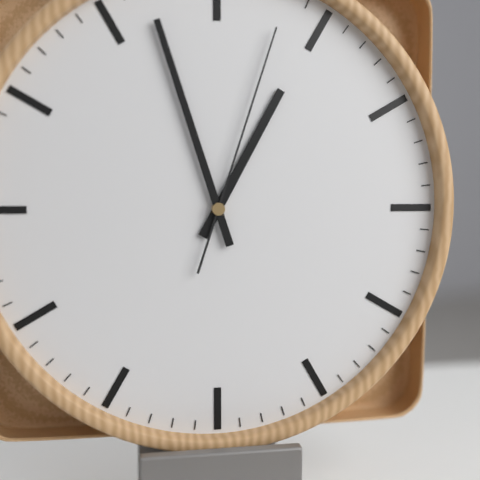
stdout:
{"hour": 12, "minute": 57, "second": 3}
